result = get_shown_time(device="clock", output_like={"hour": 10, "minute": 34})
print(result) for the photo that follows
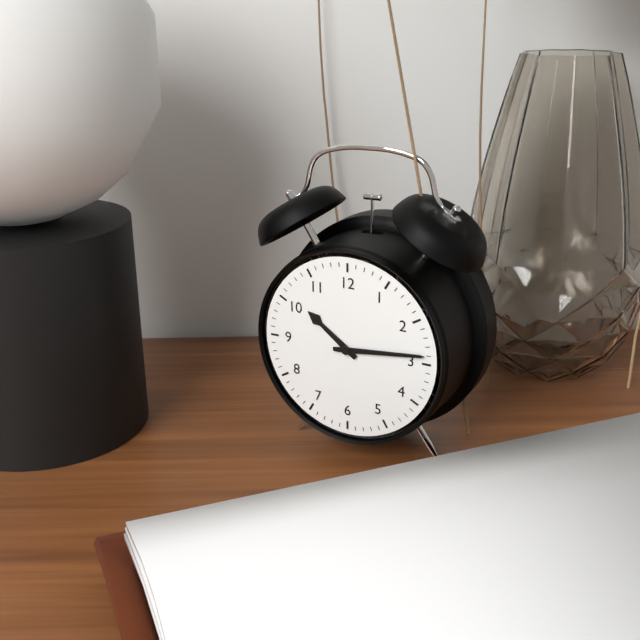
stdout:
{"hour": 10, "minute": 14}
